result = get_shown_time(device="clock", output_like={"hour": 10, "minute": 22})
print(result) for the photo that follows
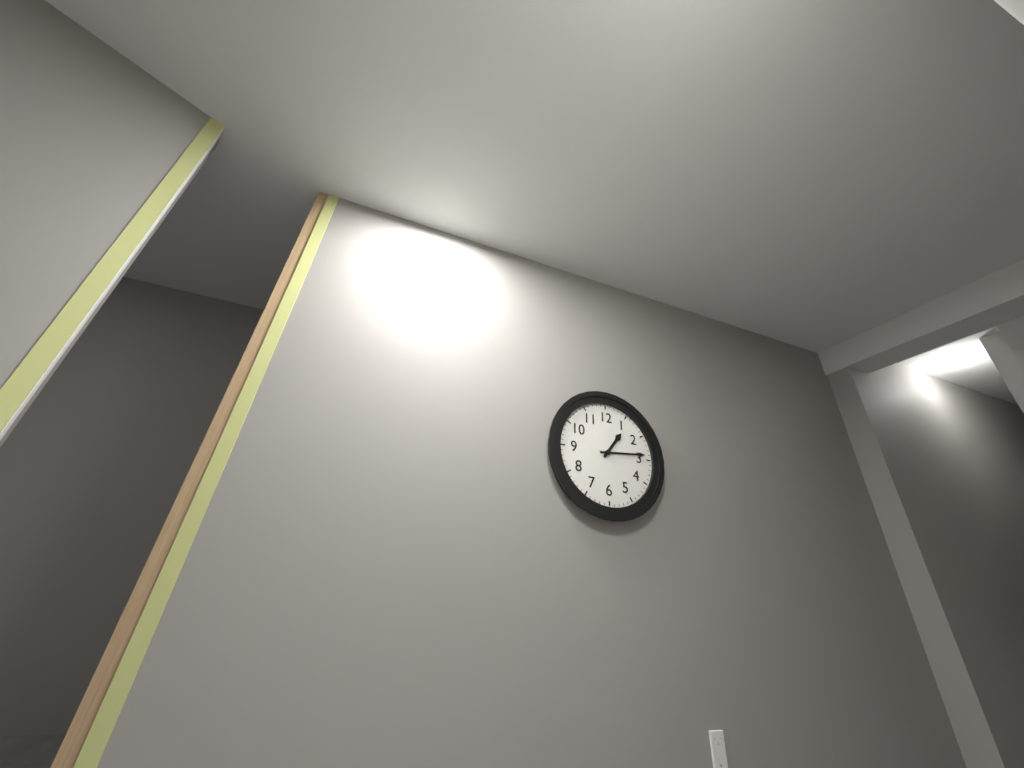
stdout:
{"hour": 1, "minute": 14}
